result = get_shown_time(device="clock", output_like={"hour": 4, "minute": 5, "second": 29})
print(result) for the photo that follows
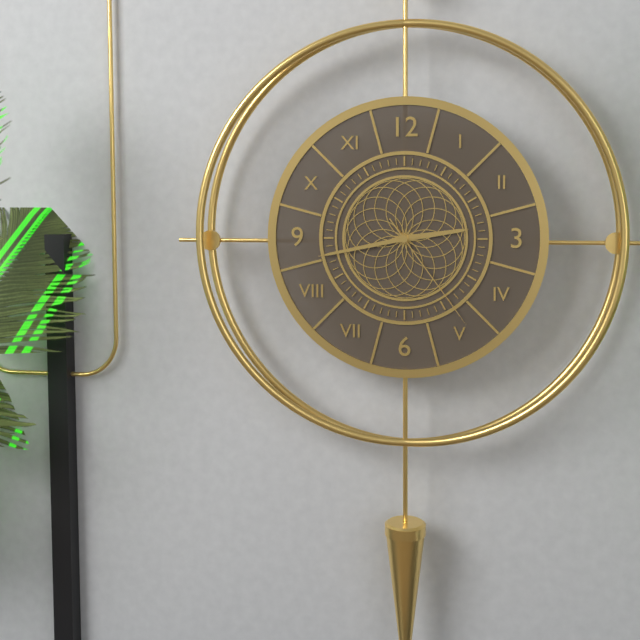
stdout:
{"hour": 2, "minute": 43, "second": 24}
